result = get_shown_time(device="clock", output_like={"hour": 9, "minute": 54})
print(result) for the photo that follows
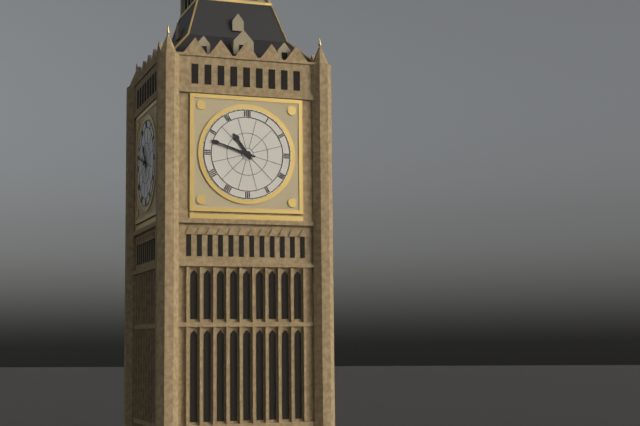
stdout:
{"hour": 10, "minute": 48}
